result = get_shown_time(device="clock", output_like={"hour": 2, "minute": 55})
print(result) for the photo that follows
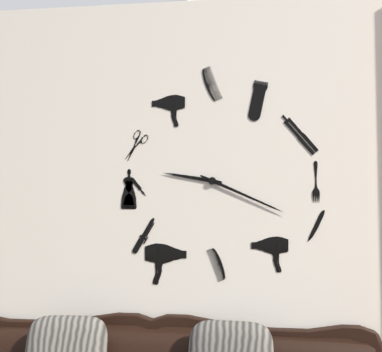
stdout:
{"hour": 9, "minute": 19}
